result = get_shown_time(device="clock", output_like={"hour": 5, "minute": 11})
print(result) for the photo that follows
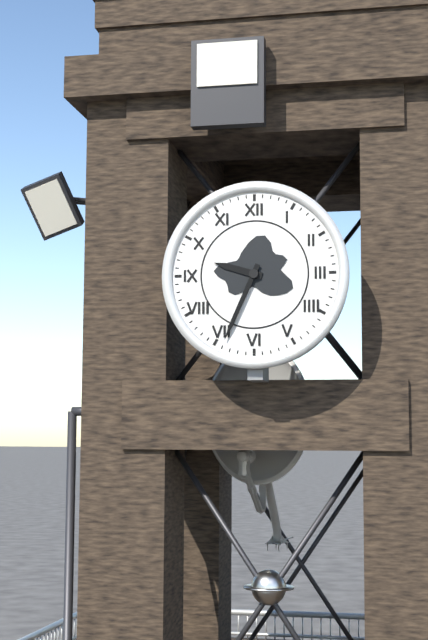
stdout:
{"hour": 9, "minute": 34}
